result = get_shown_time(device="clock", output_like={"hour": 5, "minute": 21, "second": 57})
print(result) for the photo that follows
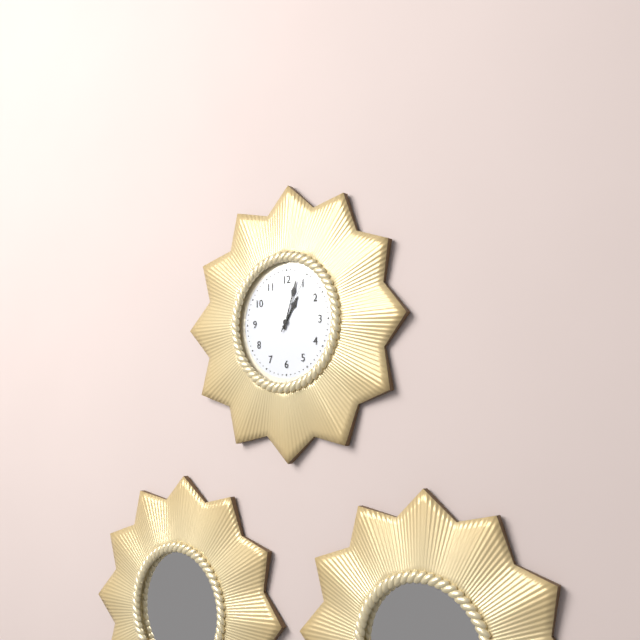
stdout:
{"hour": 1, "minute": 3, "second": 5}
